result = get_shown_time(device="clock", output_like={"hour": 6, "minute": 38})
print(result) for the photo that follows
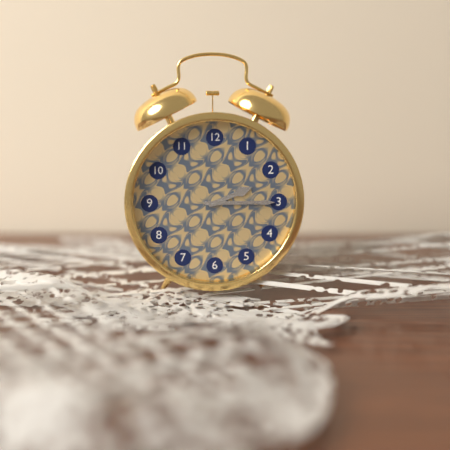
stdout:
{"hour": 2, "minute": 15}
